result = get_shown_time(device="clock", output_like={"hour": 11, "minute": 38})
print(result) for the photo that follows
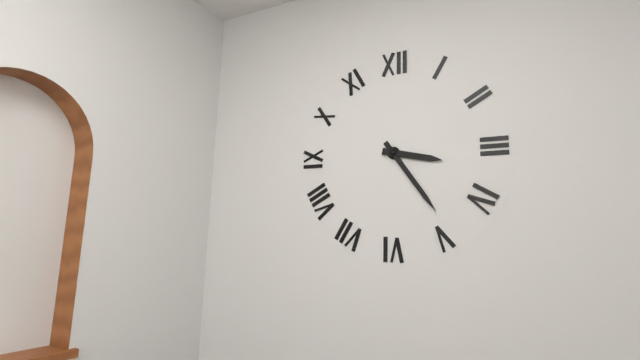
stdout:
{"hour": 3, "minute": 24}
